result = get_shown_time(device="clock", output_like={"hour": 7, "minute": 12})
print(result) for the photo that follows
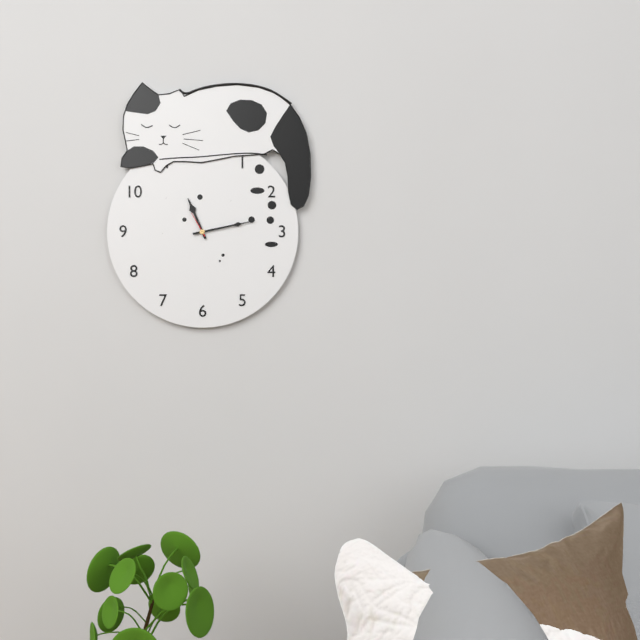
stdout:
{"hour": 11, "minute": 13}
